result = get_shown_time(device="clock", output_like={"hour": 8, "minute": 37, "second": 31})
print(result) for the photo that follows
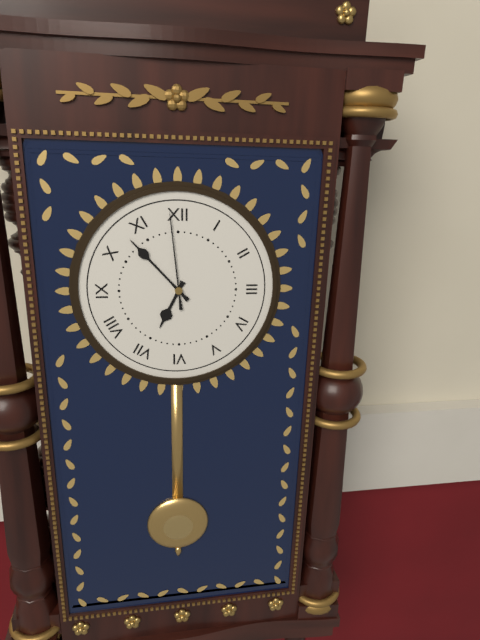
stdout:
{"hour": 6, "minute": 53, "second": 59}
